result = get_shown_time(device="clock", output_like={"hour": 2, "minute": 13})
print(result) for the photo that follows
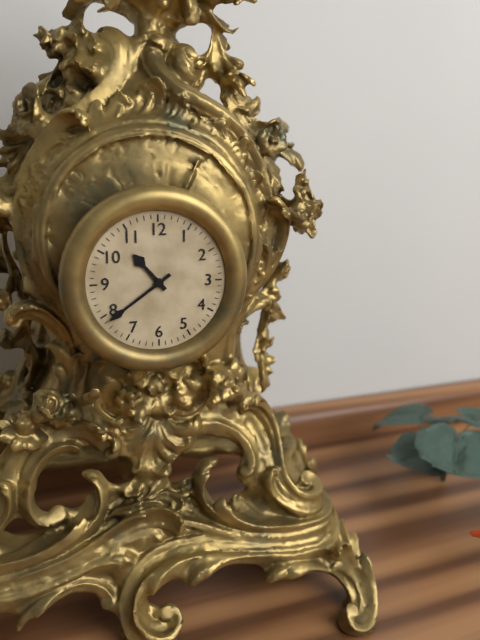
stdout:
{"hour": 10, "minute": 39}
